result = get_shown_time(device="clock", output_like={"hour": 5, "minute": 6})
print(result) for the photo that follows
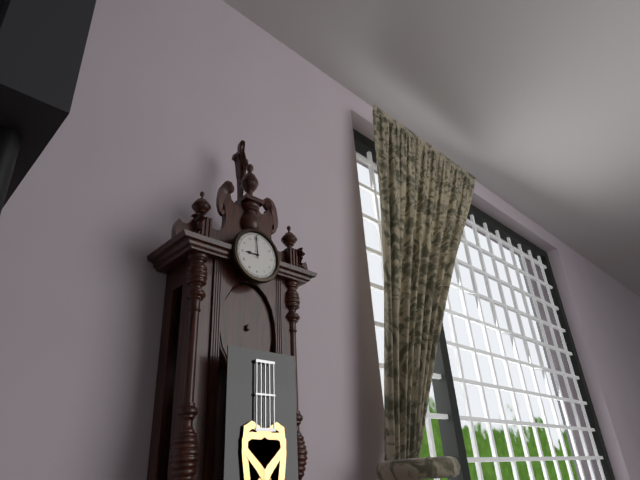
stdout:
{"hour": 8, "minute": 59}
